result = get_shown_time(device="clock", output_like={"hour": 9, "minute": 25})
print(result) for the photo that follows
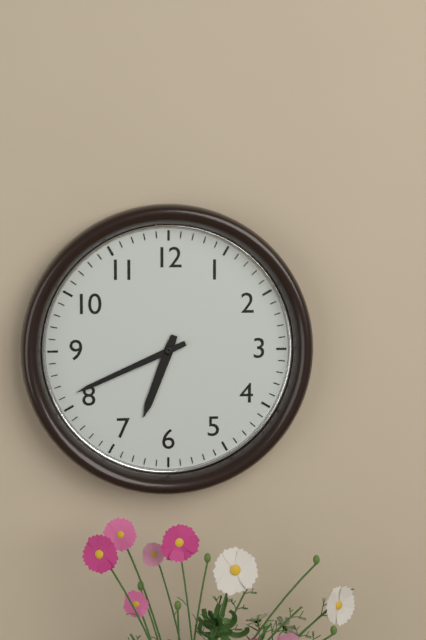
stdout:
{"hour": 6, "minute": 41}
